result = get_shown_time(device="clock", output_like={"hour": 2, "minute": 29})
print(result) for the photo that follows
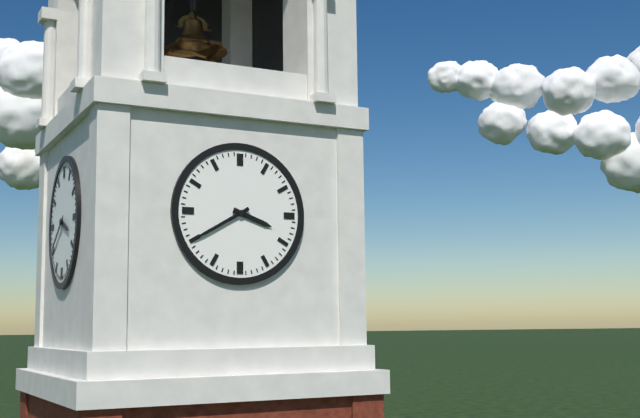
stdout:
{"hour": 3, "minute": 40}
